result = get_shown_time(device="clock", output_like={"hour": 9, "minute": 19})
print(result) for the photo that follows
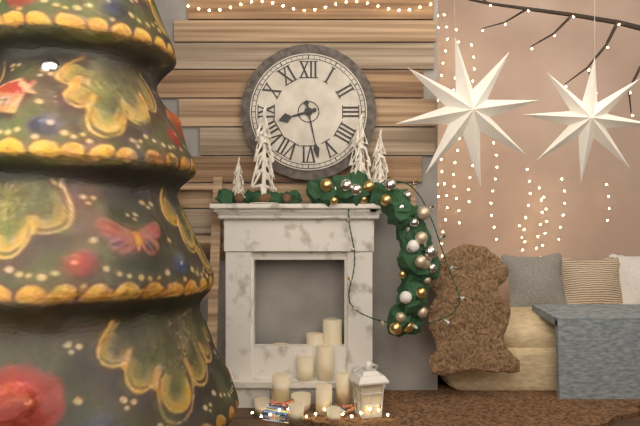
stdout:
{"hour": 8, "minute": 28}
